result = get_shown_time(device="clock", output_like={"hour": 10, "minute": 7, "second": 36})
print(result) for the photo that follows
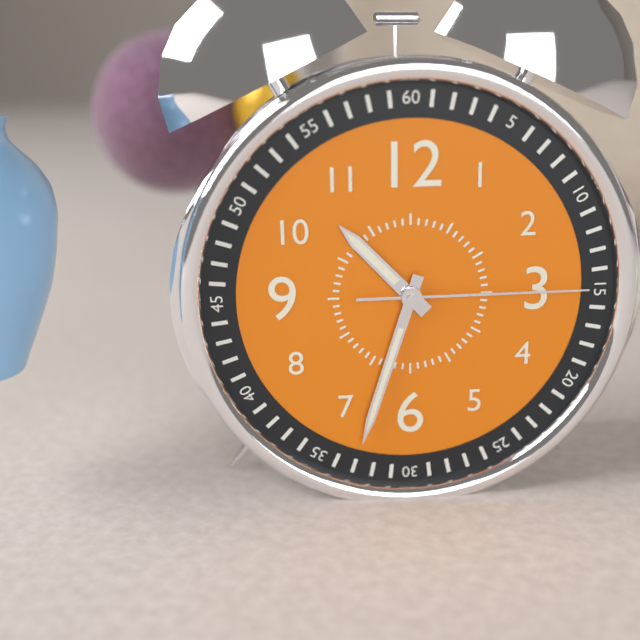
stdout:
{"hour": 10, "minute": 33, "second": 15}
